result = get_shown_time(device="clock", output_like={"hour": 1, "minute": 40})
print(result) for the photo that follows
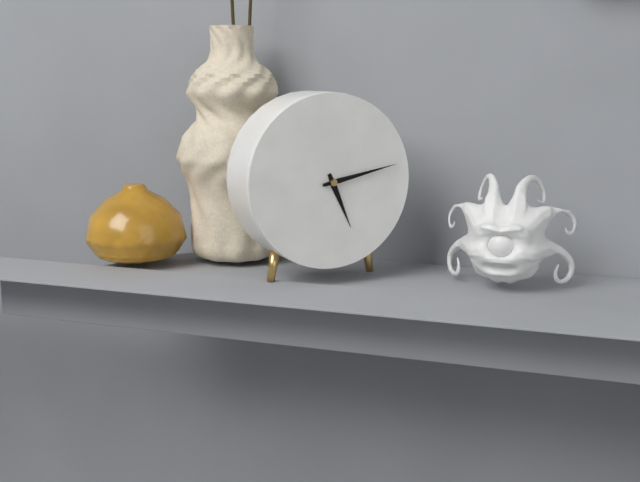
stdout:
{"hour": 5, "minute": 13}
